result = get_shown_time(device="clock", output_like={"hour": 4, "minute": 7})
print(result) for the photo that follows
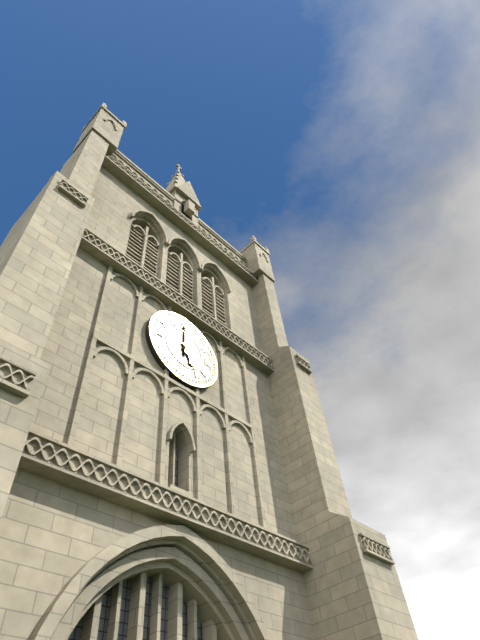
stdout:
{"hour": 5, "minute": 0}
